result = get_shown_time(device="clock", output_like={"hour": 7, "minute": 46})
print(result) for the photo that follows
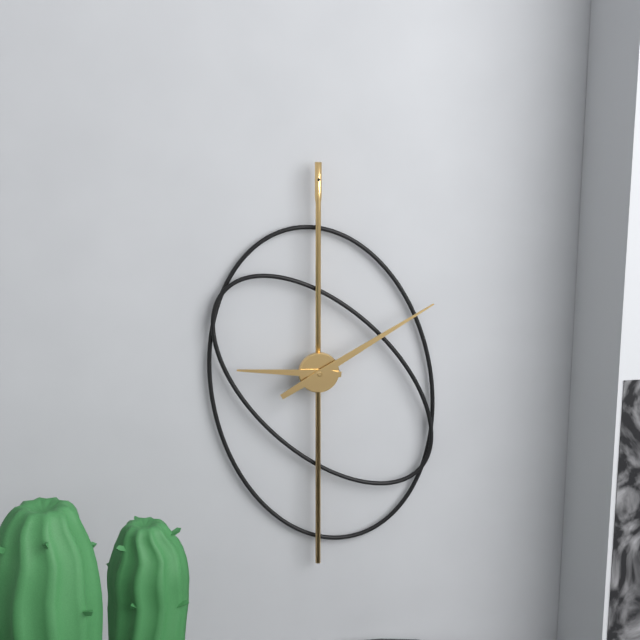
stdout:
{"hour": 9, "minute": 10}
